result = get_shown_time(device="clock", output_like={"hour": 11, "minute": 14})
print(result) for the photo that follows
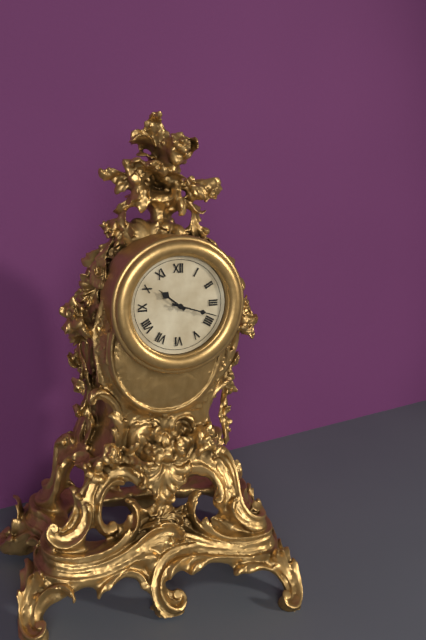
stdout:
{"hour": 10, "minute": 18}
